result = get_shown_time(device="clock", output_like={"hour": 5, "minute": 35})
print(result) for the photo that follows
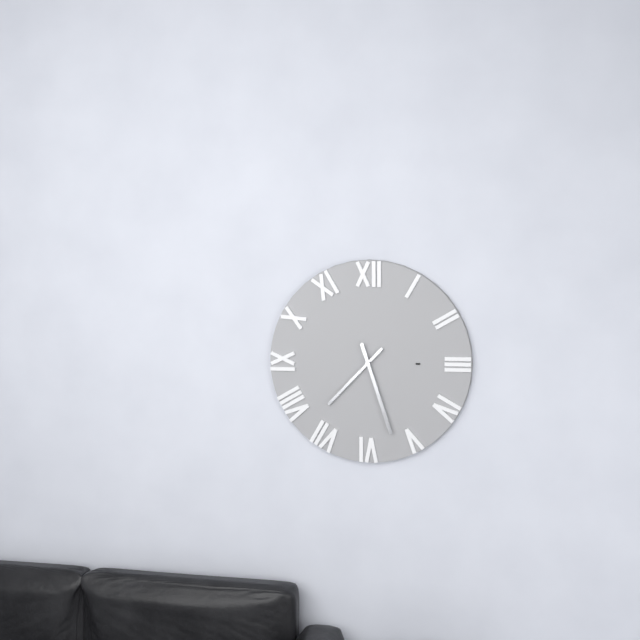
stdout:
{"hour": 7, "minute": 27}
